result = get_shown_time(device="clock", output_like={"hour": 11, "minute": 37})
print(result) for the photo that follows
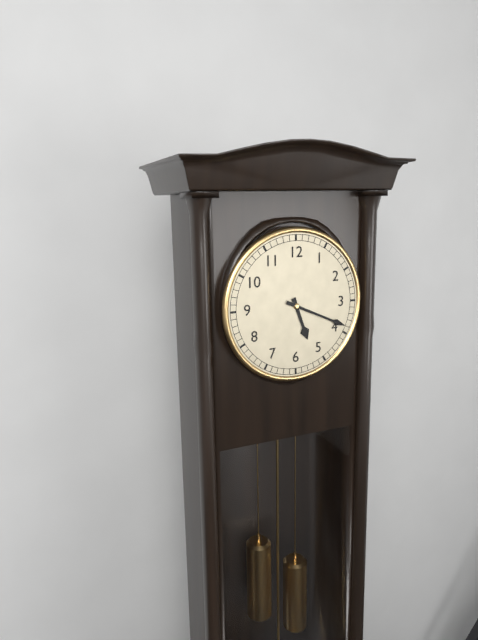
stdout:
{"hour": 5, "minute": 19}
